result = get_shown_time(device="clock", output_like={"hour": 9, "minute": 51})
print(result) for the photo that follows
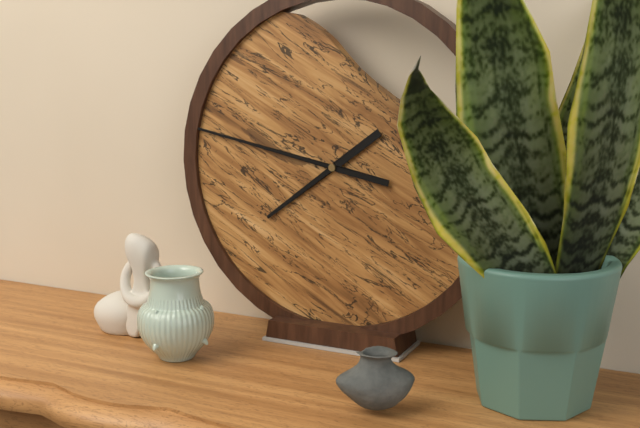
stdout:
{"hour": 7, "minute": 47}
